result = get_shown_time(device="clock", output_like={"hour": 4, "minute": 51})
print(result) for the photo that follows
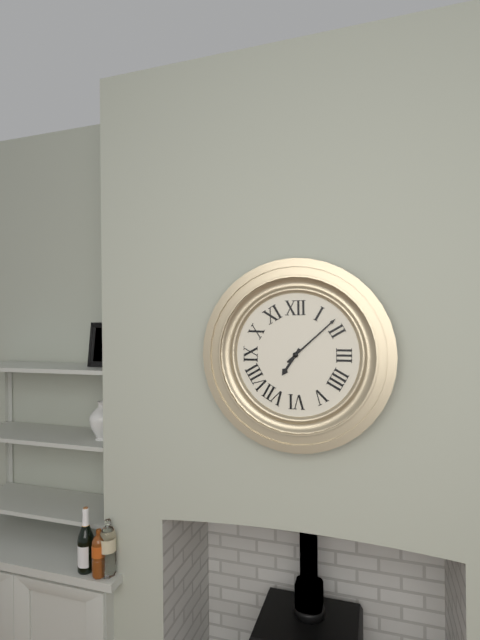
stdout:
{"hour": 7, "minute": 8}
